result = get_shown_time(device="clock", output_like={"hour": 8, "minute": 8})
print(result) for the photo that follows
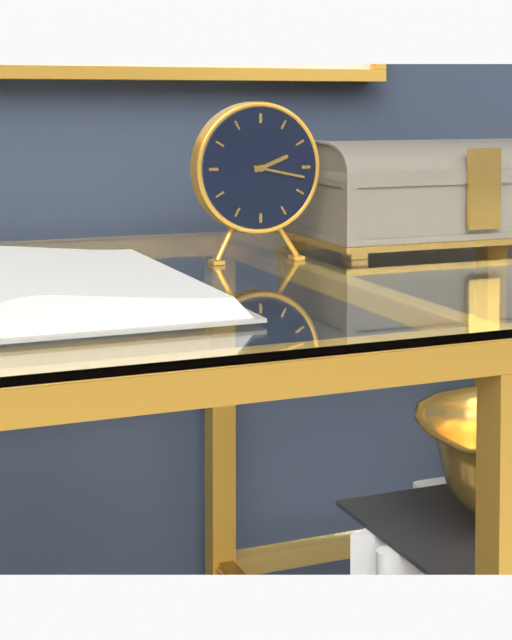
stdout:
{"hour": 2, "minute": 17}
